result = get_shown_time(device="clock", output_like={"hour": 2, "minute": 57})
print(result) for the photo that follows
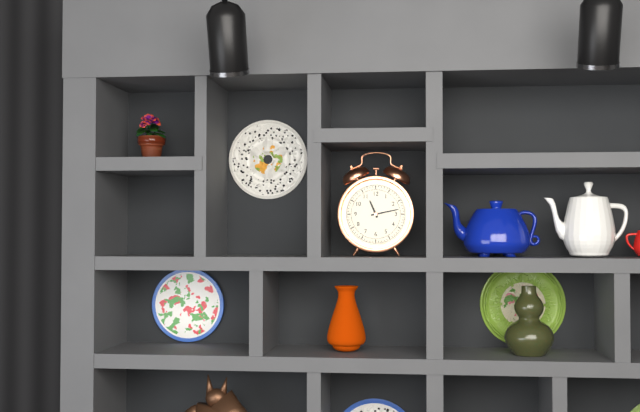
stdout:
{"hour": 11, "minute": 13}
